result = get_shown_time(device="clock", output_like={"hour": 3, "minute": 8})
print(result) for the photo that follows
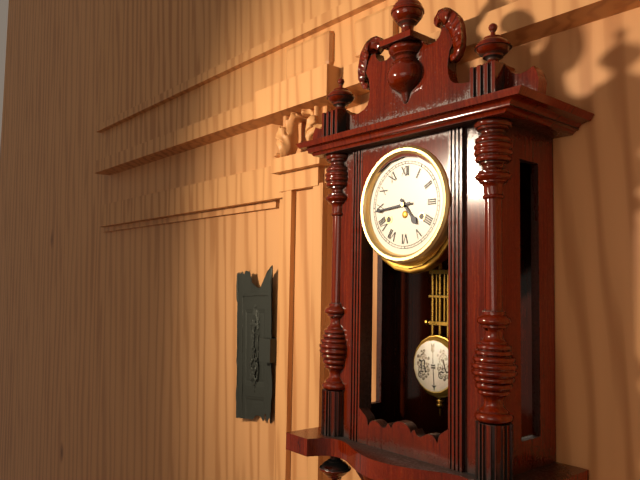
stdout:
{"hour": 4, "minute": 44}
